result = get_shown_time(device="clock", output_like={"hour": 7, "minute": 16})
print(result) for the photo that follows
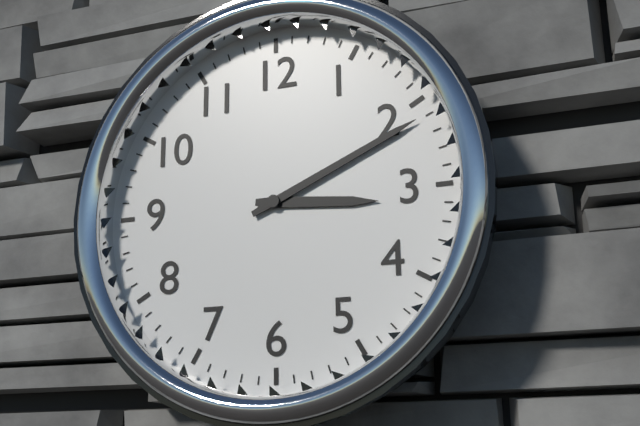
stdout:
{"hour": 3, "minute": 11}
